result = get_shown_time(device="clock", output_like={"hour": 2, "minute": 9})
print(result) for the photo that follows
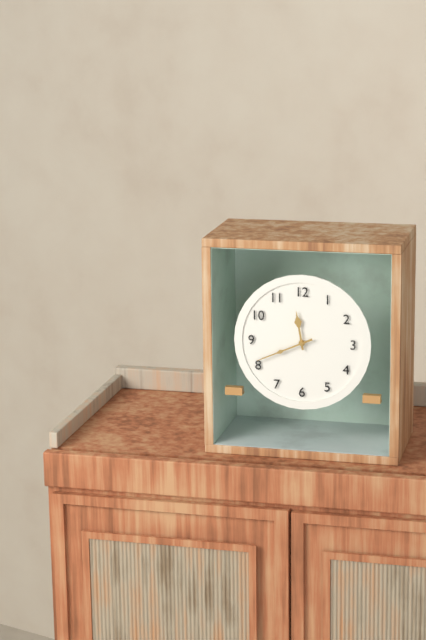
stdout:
{"hour": 11, "minute": 41}
